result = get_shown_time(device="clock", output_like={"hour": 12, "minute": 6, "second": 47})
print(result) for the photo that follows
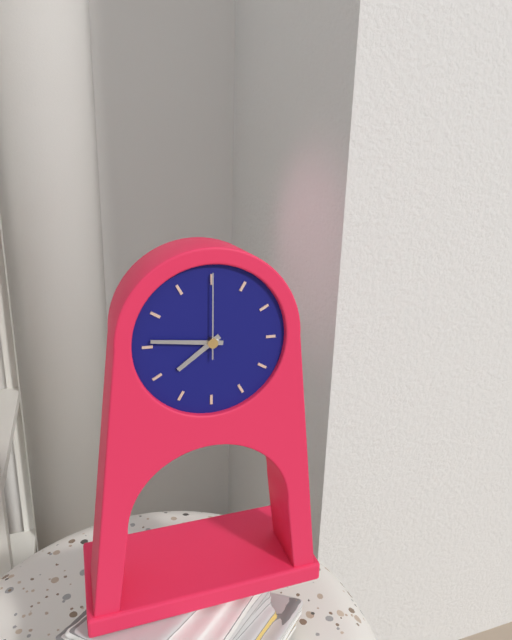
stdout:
{"hour": 7, "minute": 46, "second": 0}
